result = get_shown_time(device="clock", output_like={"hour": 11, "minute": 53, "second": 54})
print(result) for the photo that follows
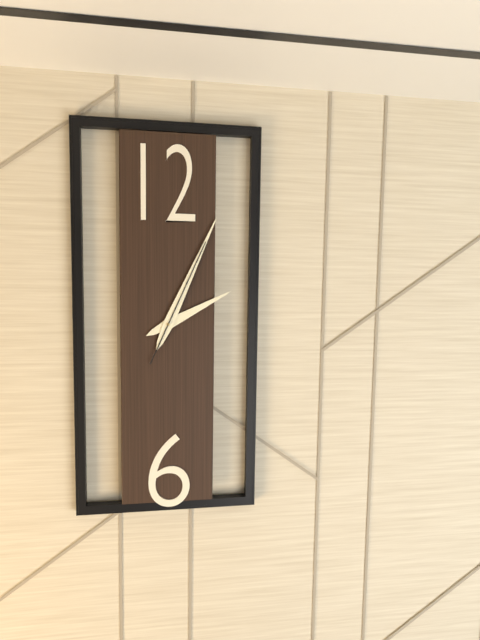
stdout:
{"hour": 2, "minute": 4, "second": 4}
